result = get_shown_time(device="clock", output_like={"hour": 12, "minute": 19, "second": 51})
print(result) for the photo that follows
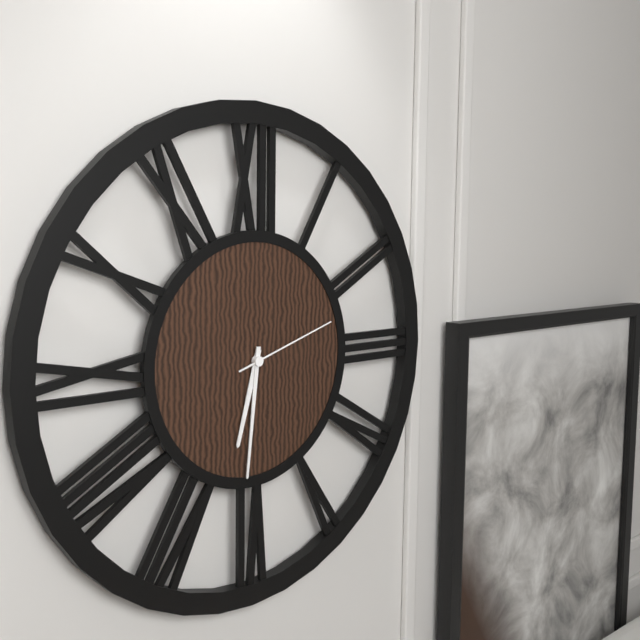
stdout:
{"hour": 6, "minute": 31, "second": 12}
